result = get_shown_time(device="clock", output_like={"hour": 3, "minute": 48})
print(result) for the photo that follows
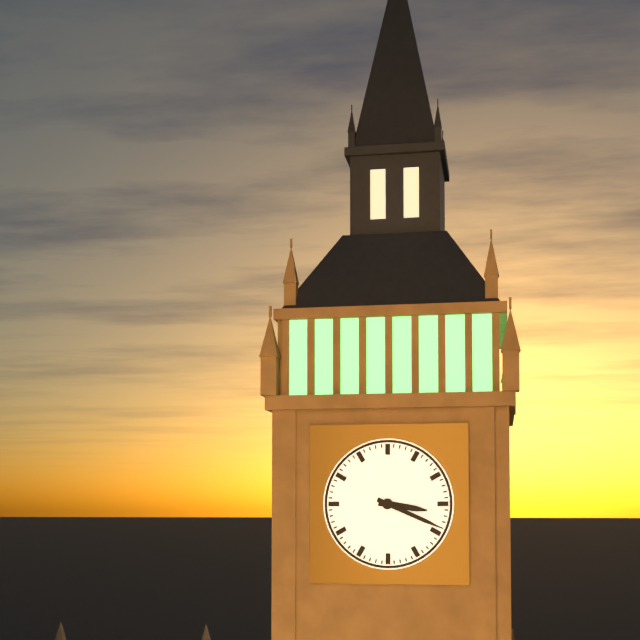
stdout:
{"hour": 3, "minute": 19}
